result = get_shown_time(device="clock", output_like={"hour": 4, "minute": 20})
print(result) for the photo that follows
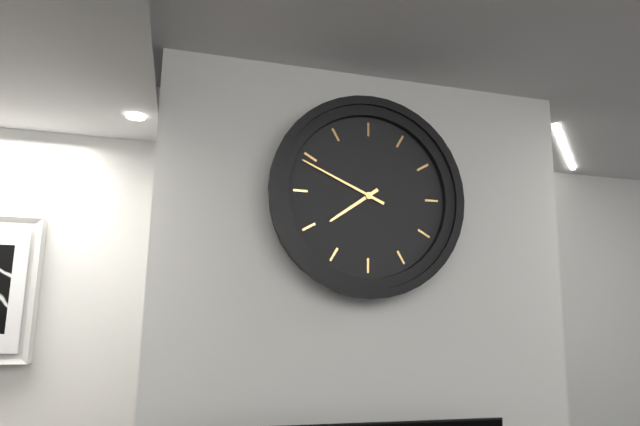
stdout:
{"hour": 7, "minute": 49}
